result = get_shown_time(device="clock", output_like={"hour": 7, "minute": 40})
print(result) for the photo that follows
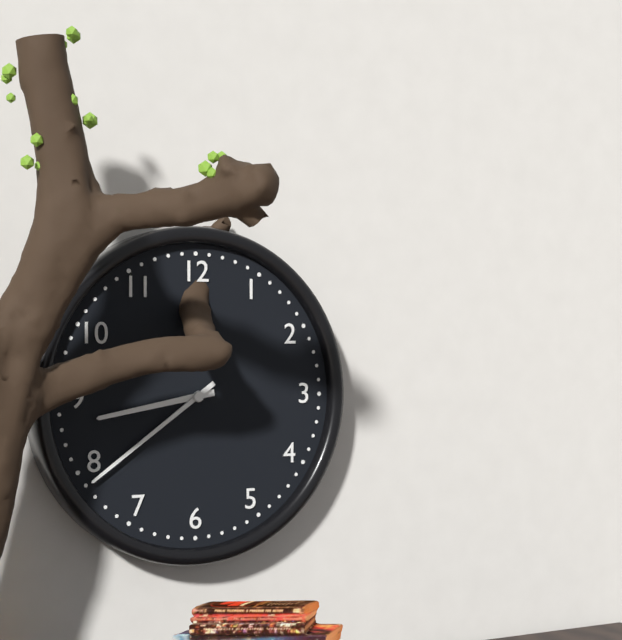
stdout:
{"hour": 8, "minute": 39}
